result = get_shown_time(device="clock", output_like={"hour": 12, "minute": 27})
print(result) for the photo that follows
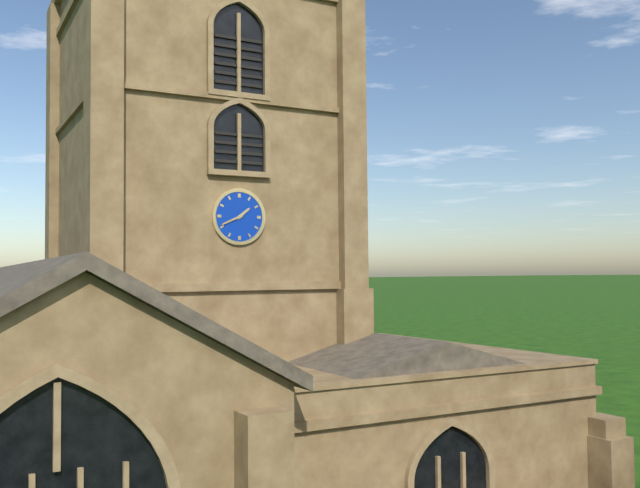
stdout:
{"hour": 1, "minute": 41}
